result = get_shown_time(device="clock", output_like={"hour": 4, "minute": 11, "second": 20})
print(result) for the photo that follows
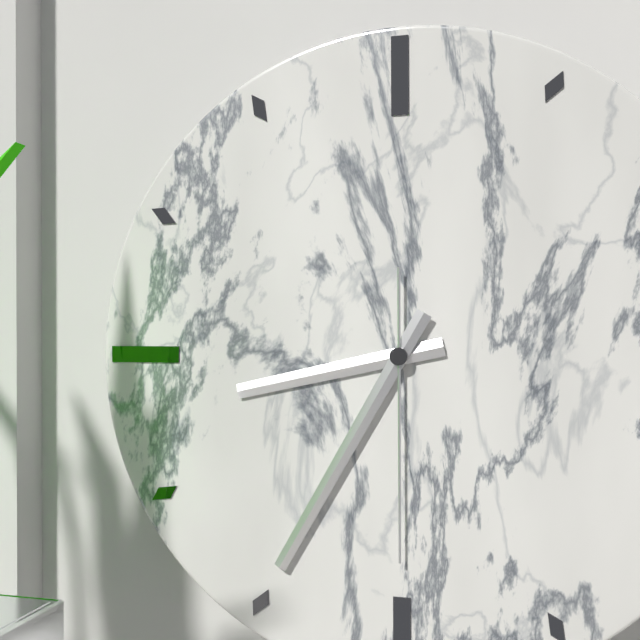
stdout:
{"hour": 8, "minute": 35, "second": 30}
